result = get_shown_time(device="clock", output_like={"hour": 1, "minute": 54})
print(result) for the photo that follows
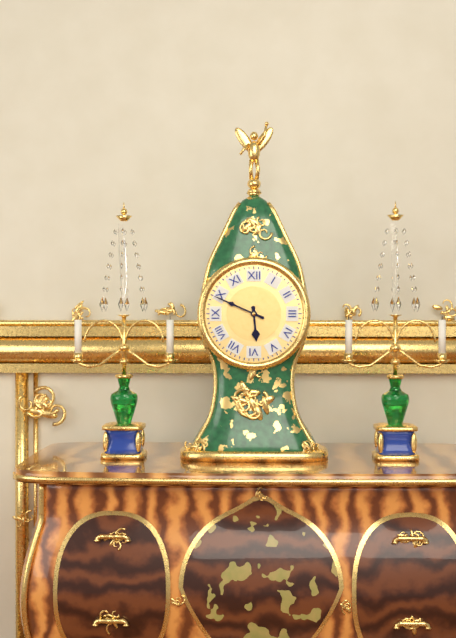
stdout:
{"hour": 5, "minute": 49}
